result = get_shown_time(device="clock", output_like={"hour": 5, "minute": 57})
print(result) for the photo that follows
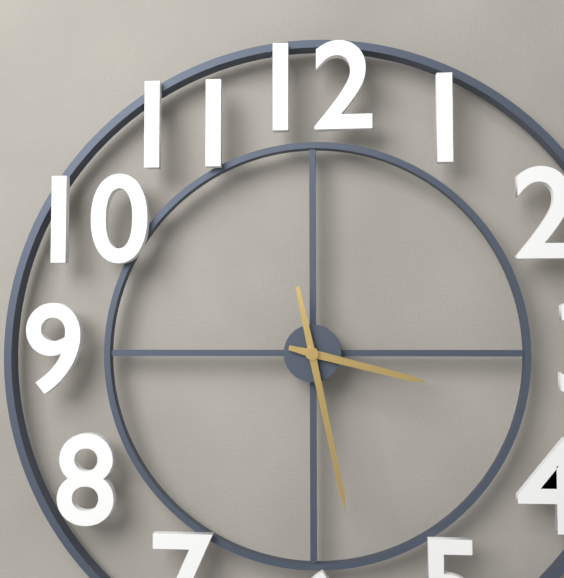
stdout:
{"hour": 3, "minute": 28}
